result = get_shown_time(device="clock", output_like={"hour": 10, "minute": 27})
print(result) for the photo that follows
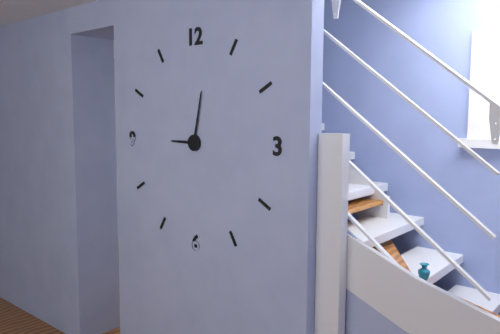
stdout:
{"hour": 9, "minute": 2}
